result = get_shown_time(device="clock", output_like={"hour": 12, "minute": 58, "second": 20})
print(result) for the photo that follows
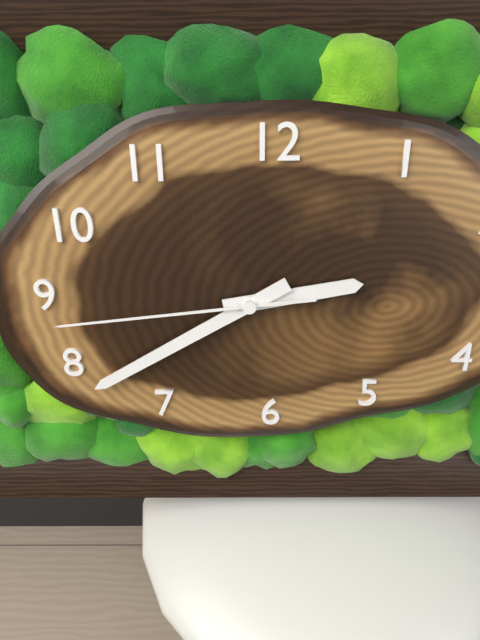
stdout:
{"hour": 2, "minute": 40, "second": 44}
